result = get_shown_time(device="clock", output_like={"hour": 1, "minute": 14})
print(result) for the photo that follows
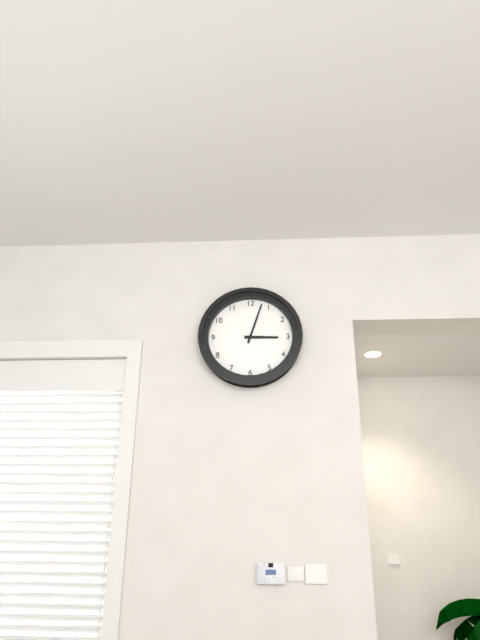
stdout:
{"hour": 3, "minute": 3}
